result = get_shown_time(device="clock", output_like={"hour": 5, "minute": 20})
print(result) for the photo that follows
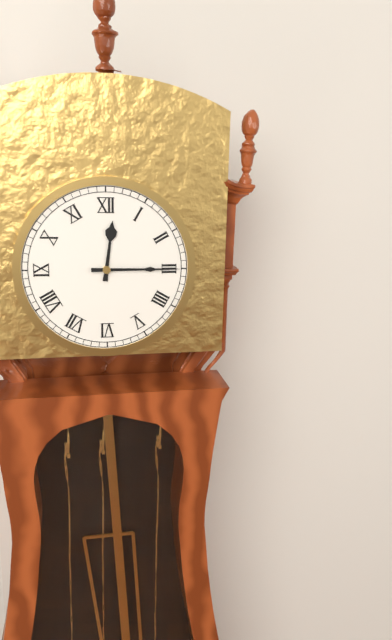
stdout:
{"hour": 12, "minute": 15}
